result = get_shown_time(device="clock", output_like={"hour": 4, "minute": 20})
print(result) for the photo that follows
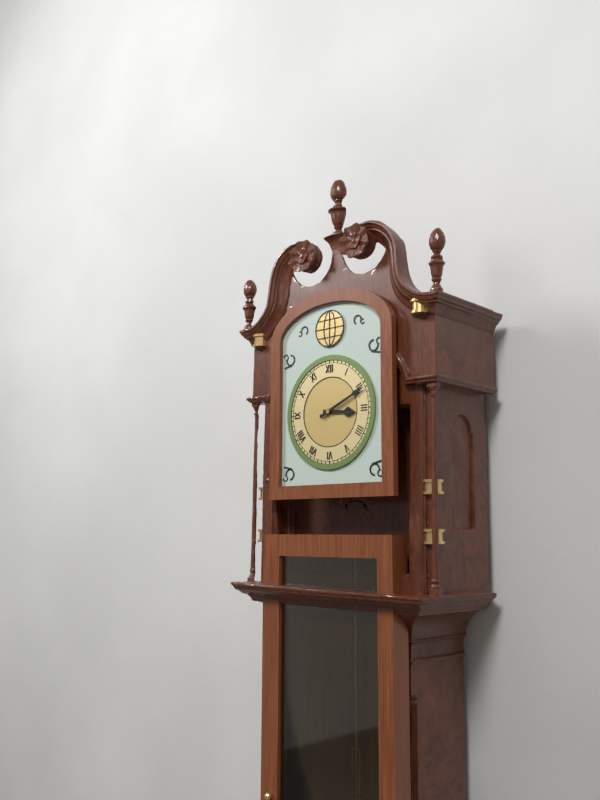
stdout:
{"hour": 3, "minute": 11}
